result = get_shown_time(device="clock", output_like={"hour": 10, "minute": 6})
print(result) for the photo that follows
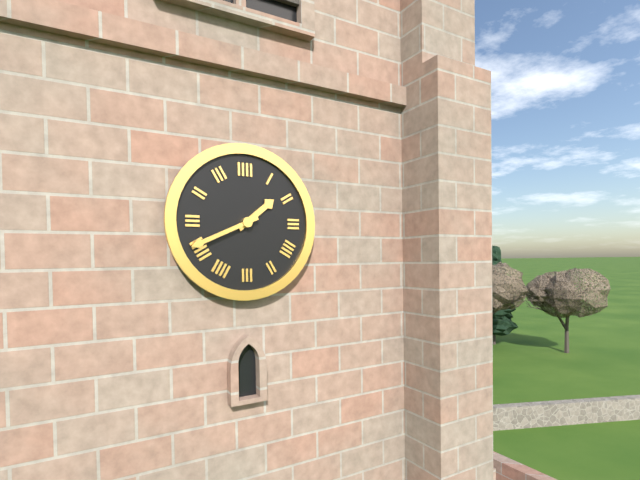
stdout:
{"hour": 1, "minute": 41}
